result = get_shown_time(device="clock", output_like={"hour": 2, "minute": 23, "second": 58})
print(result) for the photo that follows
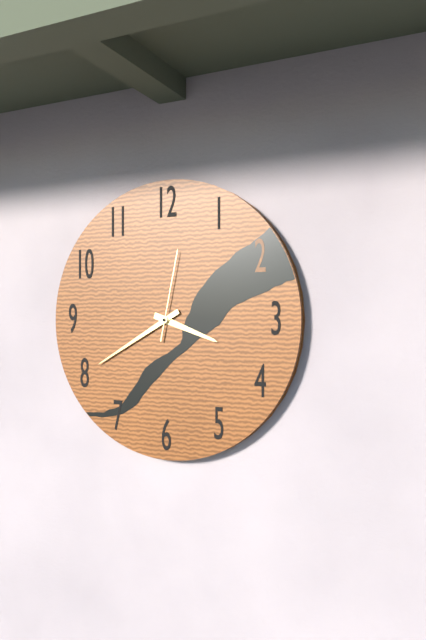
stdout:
{"hour": 3, "minute": 40, "second": 2}
